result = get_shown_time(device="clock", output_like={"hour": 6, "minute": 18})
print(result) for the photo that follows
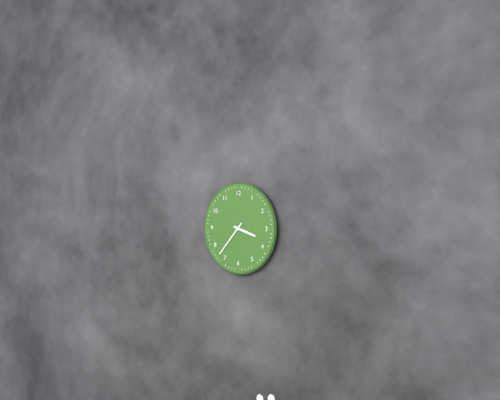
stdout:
{"hour": 3, "minute": 37}
